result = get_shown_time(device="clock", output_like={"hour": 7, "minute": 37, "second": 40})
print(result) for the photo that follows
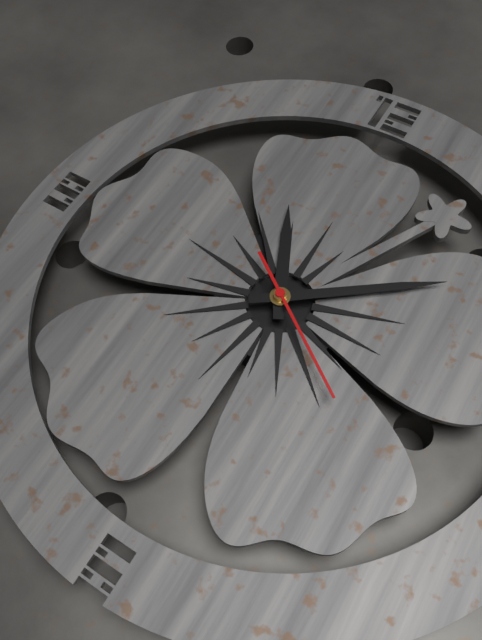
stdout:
{"hour": 11, "minute": 9, "second": 21}
